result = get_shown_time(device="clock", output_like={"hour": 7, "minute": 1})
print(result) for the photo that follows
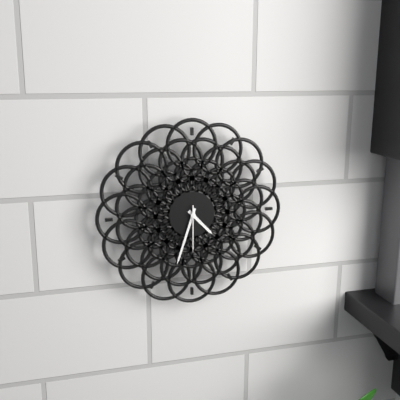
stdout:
{"hour": 4, "minute": 33}
